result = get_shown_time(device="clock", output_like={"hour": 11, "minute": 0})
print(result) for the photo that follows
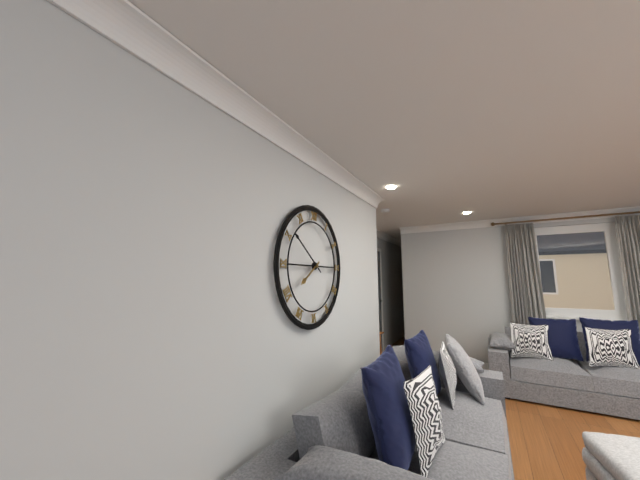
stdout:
{"hour": 7, "minute": 51}
